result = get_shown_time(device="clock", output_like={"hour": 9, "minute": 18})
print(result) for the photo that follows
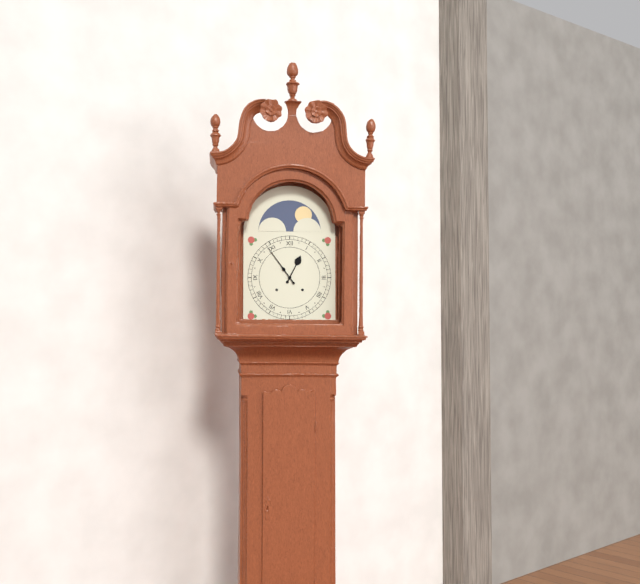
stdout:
{"hour": 12, "minute": 54}
